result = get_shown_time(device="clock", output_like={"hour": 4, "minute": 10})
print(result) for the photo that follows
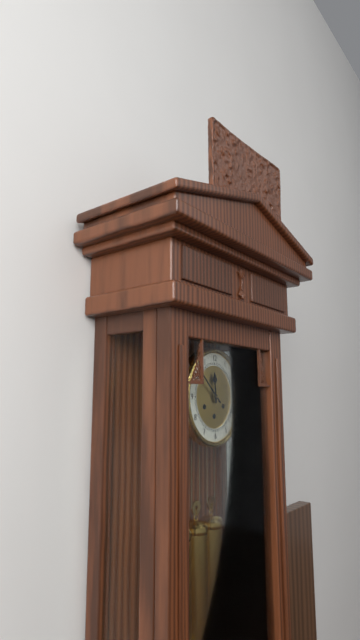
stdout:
{"hour": 11, "minute": 52}
